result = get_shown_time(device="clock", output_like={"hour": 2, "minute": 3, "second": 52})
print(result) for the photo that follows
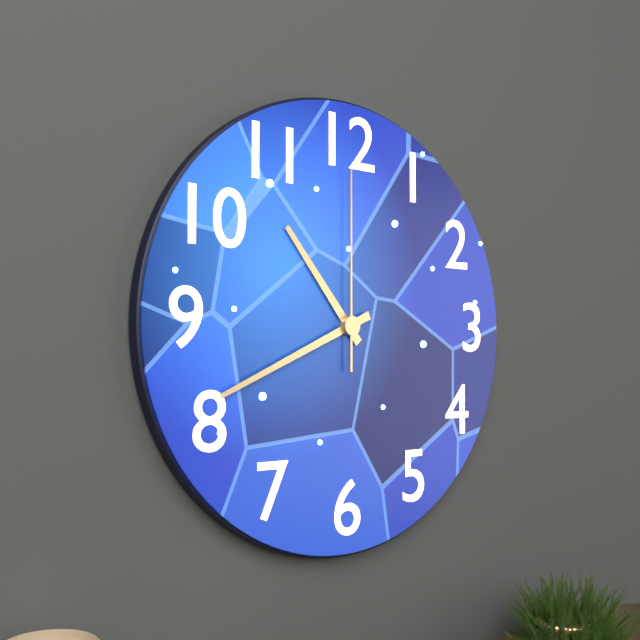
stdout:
{"hour": 10, "minute": 41, "second": 0}
